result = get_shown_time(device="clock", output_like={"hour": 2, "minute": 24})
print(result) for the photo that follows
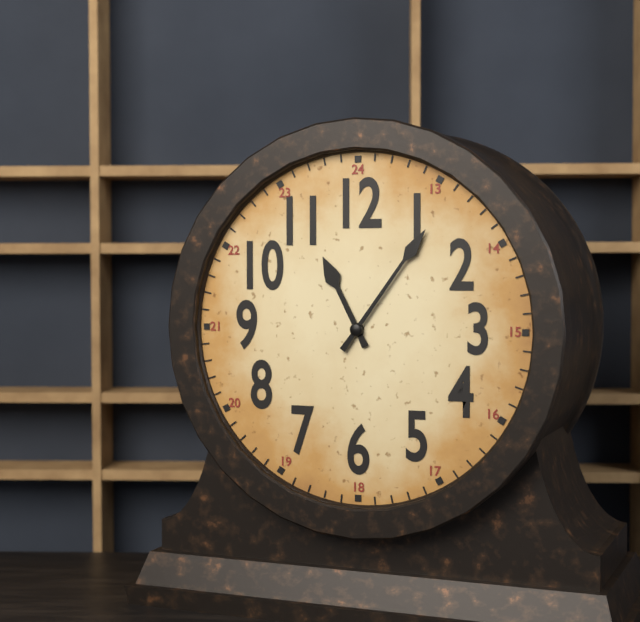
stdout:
{"hour": 11, "minute": 6}
